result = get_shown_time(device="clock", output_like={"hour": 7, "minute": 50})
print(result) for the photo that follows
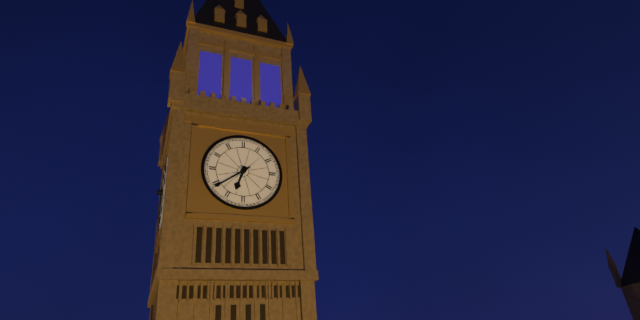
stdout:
{"hour": 6, "minute": 39}
